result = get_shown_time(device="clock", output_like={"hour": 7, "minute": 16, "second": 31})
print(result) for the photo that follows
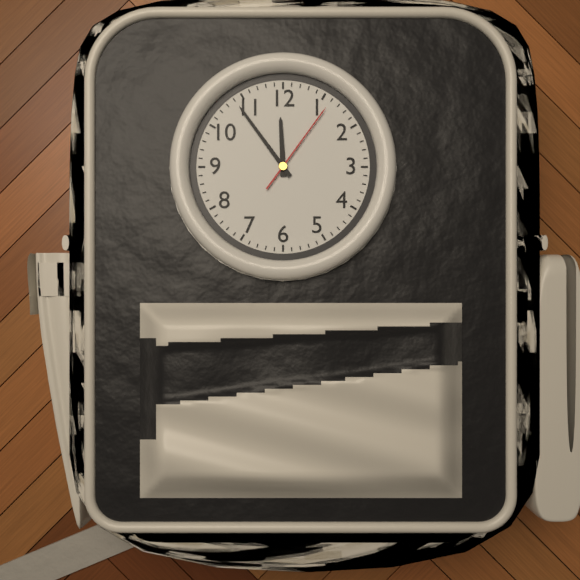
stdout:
{"hour": 11, "minute": 54, "second": 6}
